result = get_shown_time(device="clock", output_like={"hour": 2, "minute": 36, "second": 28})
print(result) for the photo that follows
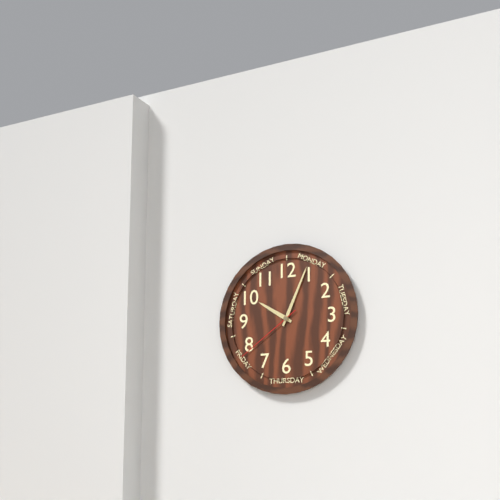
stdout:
{"hour": 10, "minute": 4, "second": 39}
